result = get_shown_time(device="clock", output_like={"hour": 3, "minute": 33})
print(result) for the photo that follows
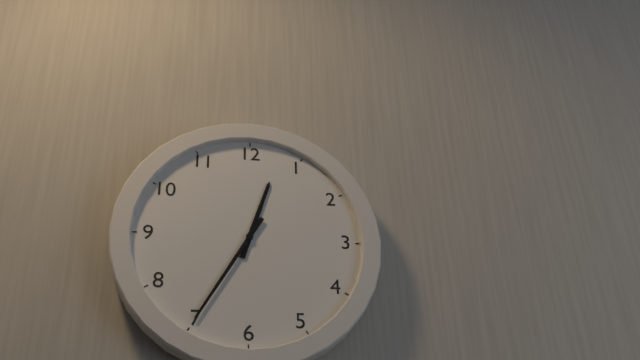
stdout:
{"hour": 12, "minute": 35}
